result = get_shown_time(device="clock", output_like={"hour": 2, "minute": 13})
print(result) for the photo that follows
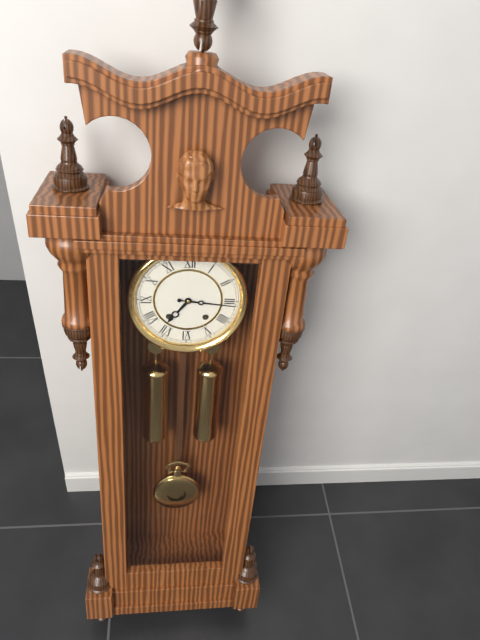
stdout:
{"hour": 7, "minute": 16}
